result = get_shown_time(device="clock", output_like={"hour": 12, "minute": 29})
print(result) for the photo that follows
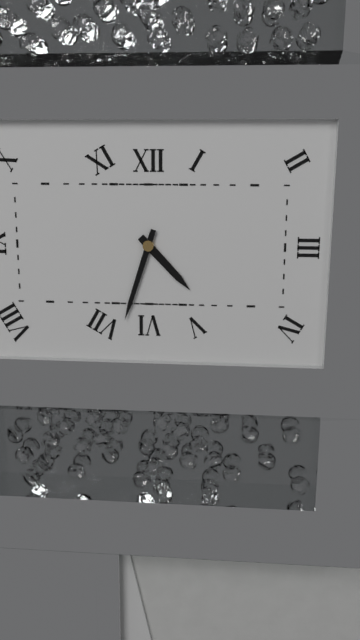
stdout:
{"hour": 4, "minute": 33}
